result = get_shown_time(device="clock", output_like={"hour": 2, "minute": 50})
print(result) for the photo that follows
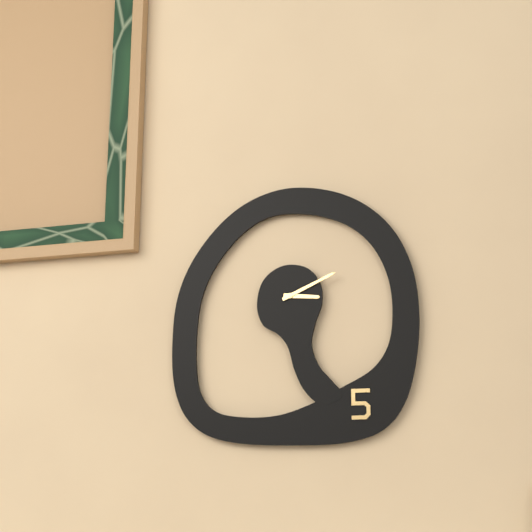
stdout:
{"hour": 3, "minute": 11}
